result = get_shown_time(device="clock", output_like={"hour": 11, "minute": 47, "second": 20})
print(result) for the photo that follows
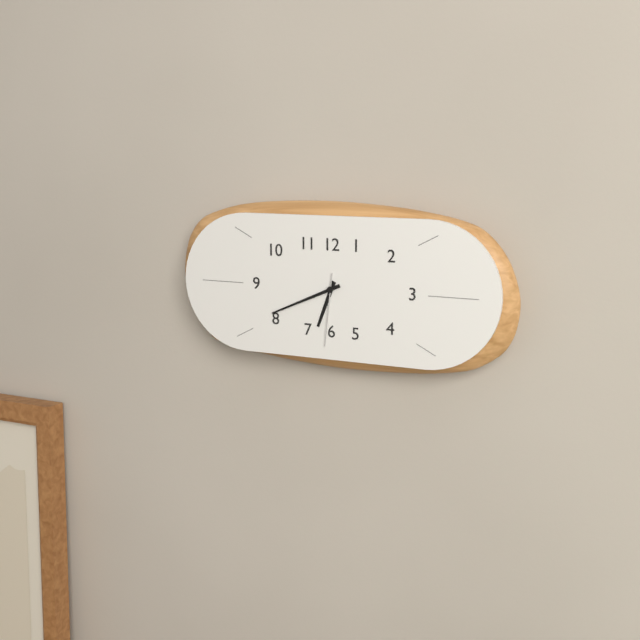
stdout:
{"hour": 6, "minute": 41, "second": 31}
